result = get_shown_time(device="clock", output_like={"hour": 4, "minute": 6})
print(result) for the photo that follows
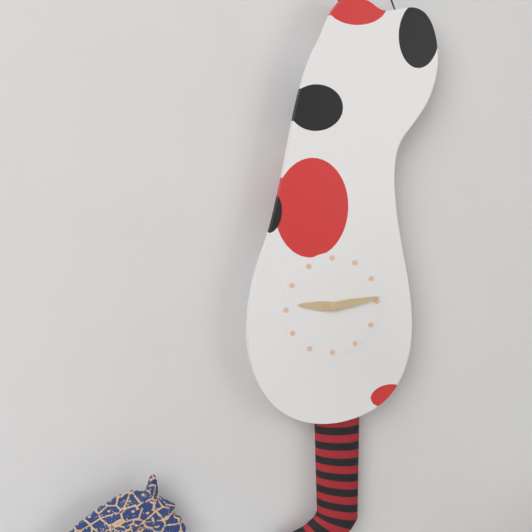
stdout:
{"hour": 9, "minute": 14}
